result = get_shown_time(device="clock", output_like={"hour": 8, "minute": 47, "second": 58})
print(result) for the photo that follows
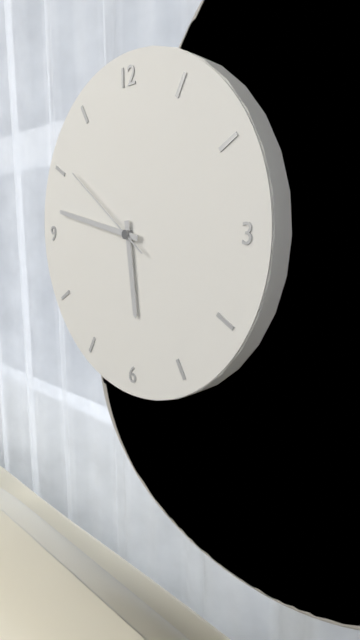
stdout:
{"hour": 5, "minute": 47, "second": 51}
